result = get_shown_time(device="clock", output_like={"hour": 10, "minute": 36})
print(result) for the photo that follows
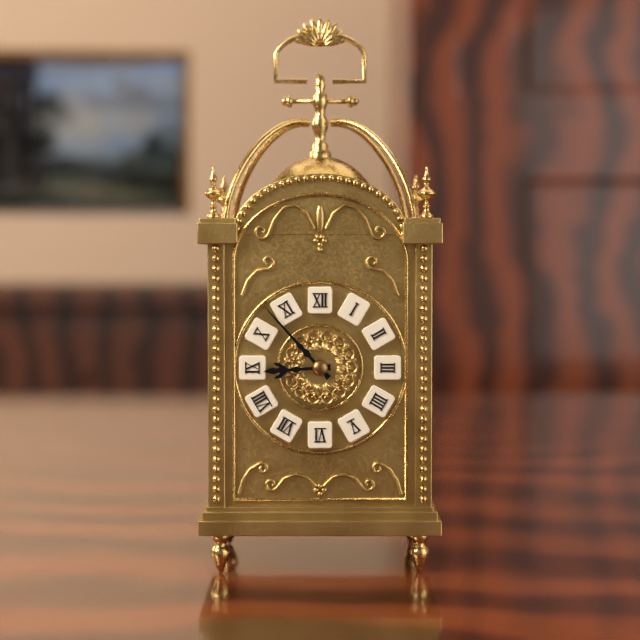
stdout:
{"hour": 8, "minute": 53}
